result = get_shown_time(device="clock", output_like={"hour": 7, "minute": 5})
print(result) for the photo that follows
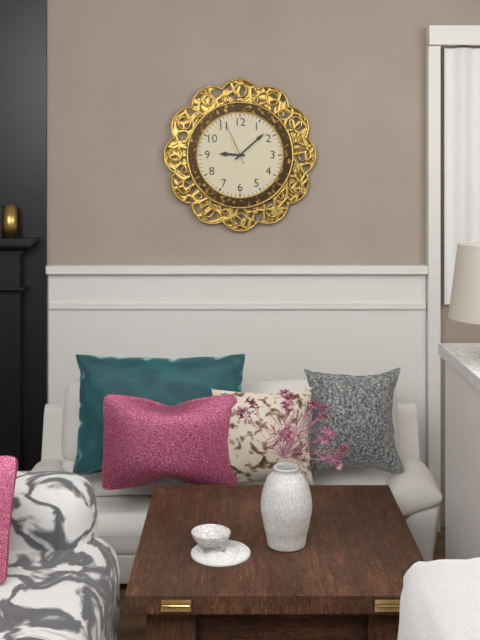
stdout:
{"hour": 9, "minute": 8}
